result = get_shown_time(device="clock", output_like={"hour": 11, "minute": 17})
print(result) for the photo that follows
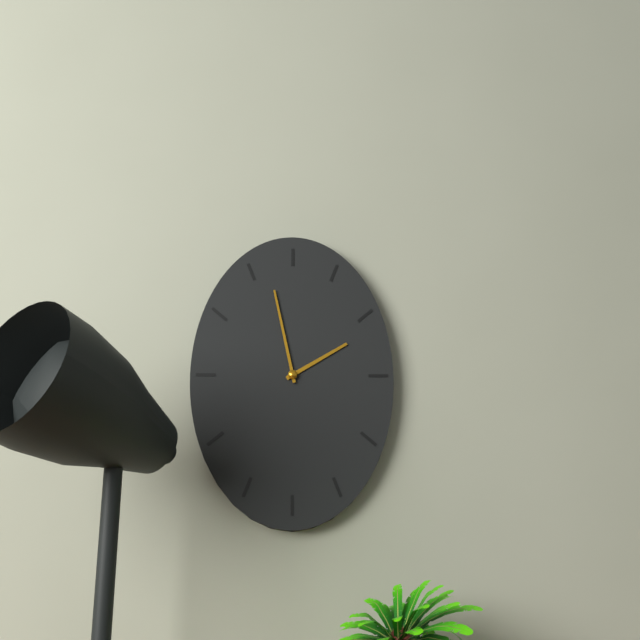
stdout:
{"hour": 1, "minute": 58}
